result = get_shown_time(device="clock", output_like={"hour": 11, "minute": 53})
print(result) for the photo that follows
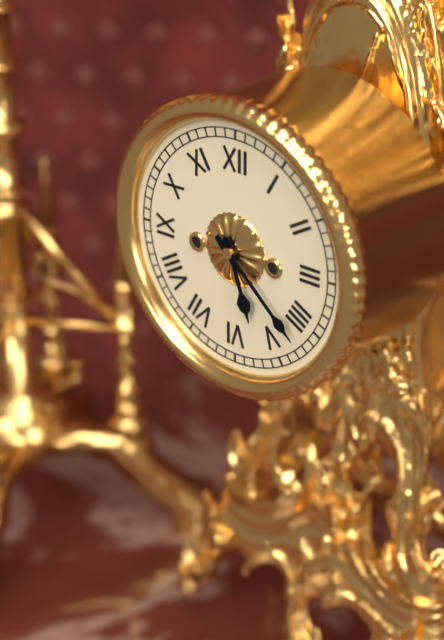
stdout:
{"hour": 5, "minute": 22}
